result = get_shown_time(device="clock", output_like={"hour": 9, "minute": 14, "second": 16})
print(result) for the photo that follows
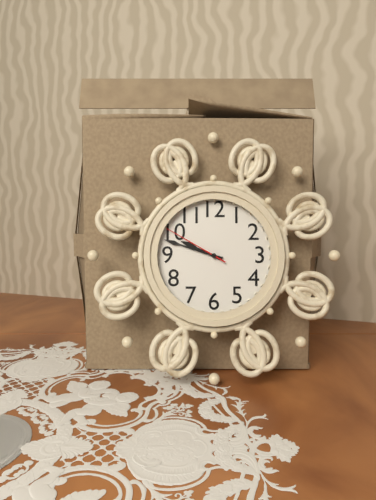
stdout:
{"hour": 9, "minute": 48, "second": 50}
